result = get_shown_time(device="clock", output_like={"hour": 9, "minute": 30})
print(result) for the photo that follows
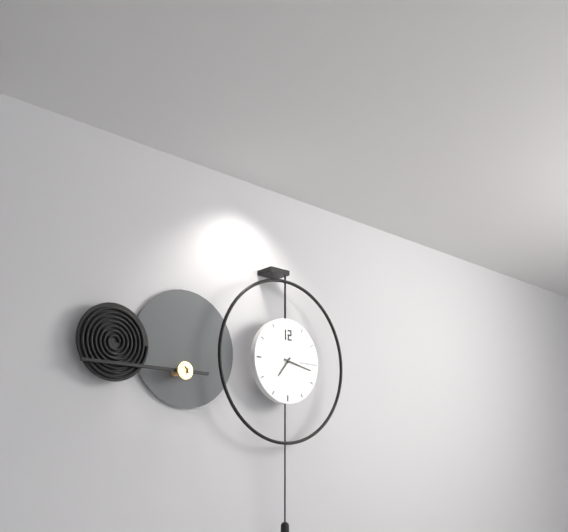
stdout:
{"hour": 7, "minute": 17}
